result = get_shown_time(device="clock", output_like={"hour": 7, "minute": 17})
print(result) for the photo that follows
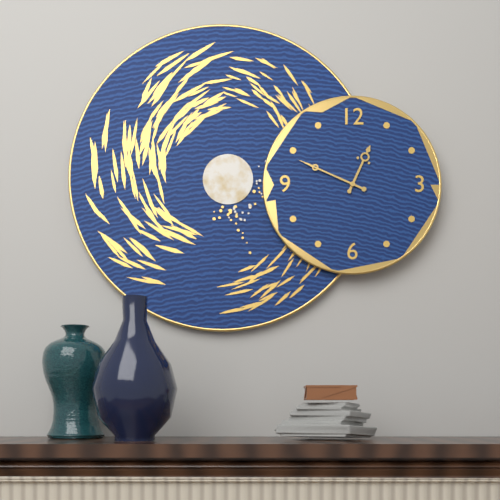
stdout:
{"hour": 12, "minute": 49}
